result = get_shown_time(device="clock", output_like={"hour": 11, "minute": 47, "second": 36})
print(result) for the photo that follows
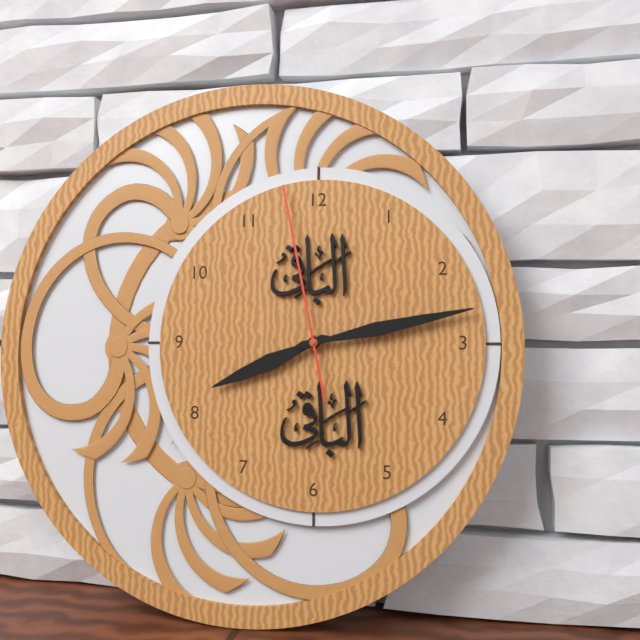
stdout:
{"hour": 8, "minute": 13, "second": 58}
